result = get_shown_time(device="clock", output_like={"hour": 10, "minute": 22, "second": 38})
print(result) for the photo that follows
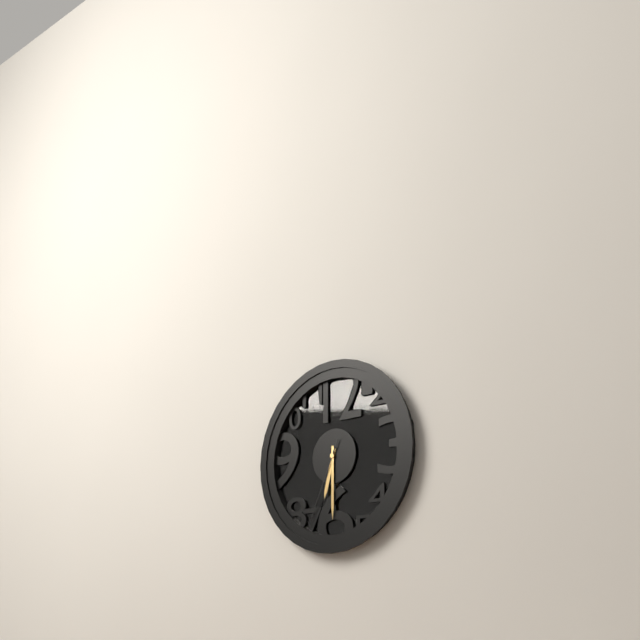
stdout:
{"hour": 6, "minute": 30, "second": 34}
